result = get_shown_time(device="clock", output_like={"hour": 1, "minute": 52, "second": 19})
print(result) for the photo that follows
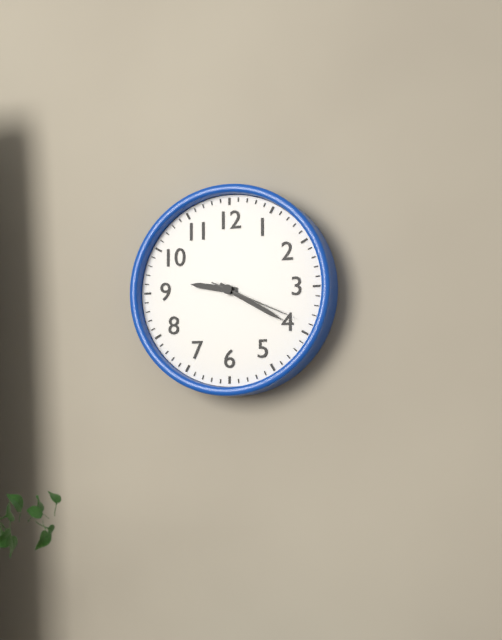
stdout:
{"hour": 9, "minute": 20, "second": 19}
